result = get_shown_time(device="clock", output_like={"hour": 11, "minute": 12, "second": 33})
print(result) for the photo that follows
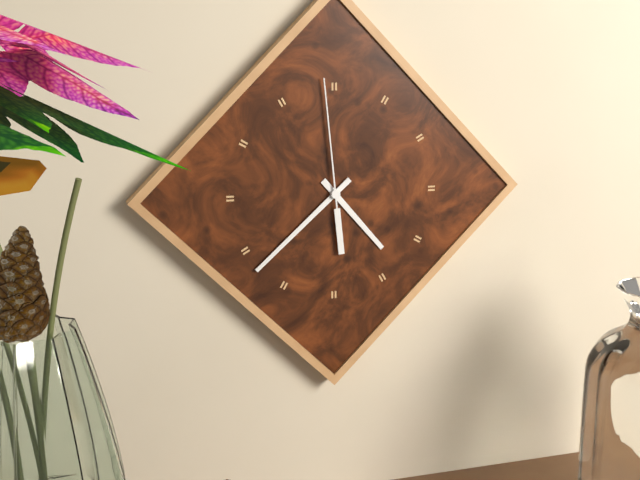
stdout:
{"hour": 4, "minute": 38, "second": 59}
